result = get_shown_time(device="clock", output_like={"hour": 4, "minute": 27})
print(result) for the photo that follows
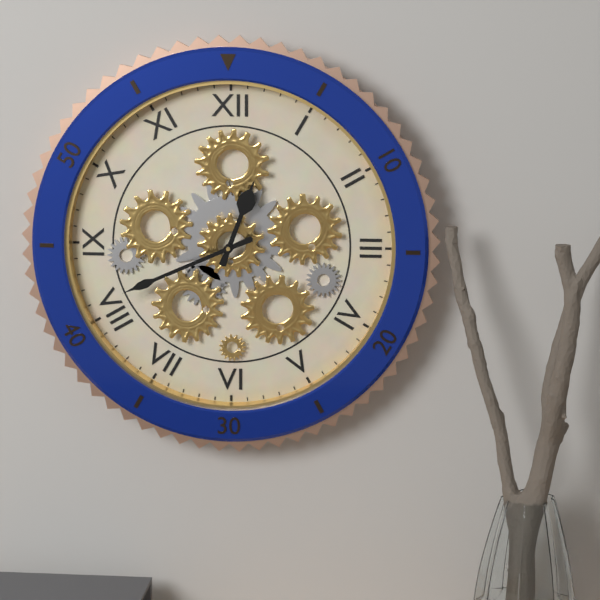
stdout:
{"hour": 12, "minute": 41}
